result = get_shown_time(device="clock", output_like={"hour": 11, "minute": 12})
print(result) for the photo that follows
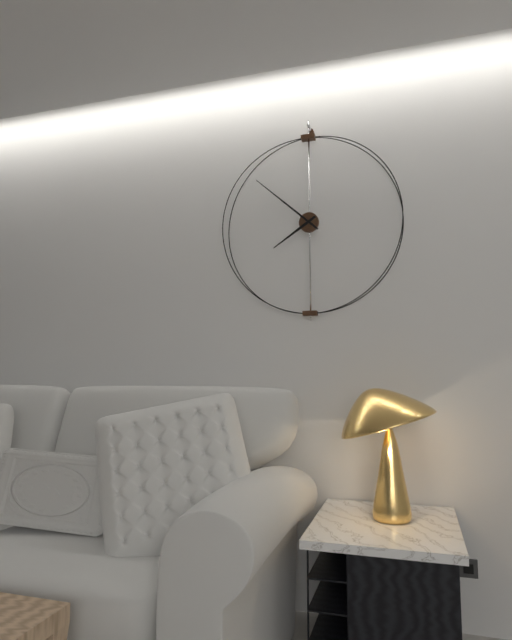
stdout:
{"hour": 7, "minute": 52}
